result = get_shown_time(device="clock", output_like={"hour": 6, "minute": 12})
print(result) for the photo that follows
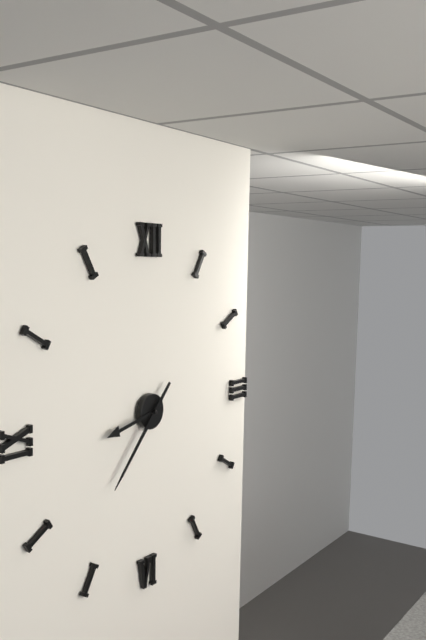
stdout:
{"hour": 8, "minute": 37}
